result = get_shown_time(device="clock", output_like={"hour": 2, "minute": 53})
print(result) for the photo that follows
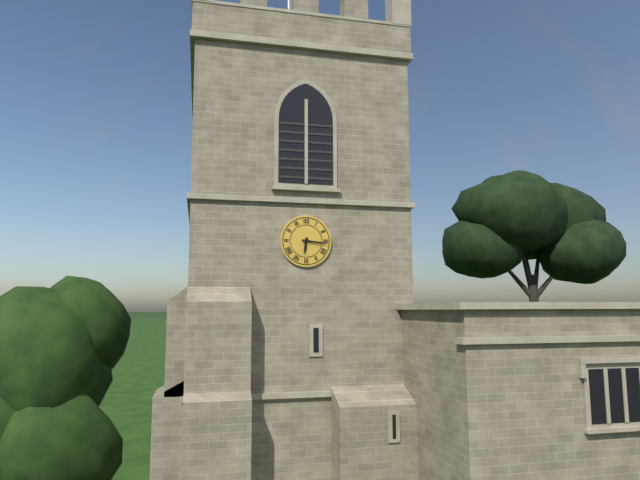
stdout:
{"hour": 6, "minute": 16}
